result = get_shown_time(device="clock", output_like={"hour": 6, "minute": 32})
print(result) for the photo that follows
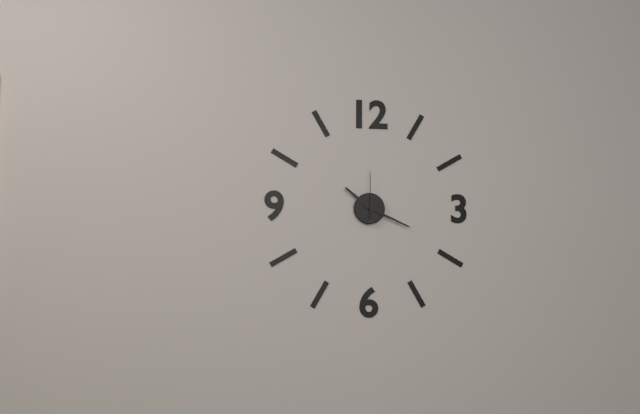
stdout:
{"hour": 10, "minute": 19}
